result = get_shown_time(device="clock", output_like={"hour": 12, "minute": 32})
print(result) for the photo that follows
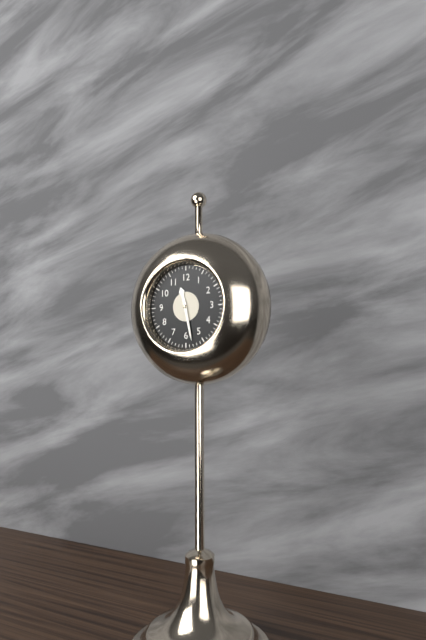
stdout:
{"hour": 11, "minute": 28}
